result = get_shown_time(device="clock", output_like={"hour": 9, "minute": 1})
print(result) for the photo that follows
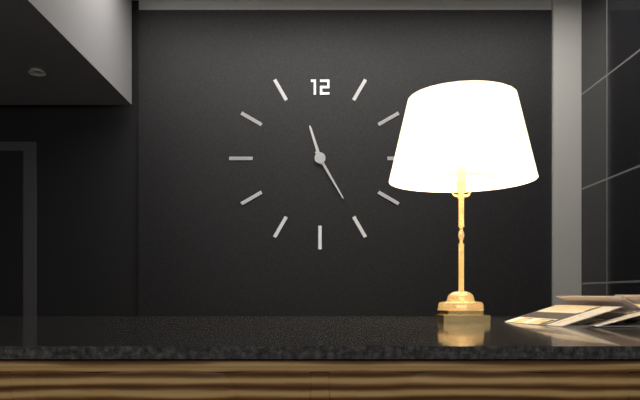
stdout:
{"hour": 11, "minute": 25}
